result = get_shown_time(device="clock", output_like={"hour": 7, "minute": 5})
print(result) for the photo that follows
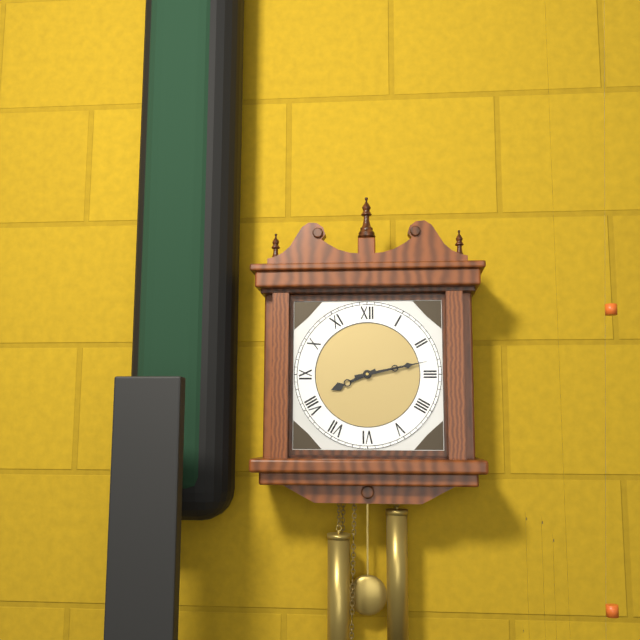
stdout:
{"hour": 8, "minute": 13}
